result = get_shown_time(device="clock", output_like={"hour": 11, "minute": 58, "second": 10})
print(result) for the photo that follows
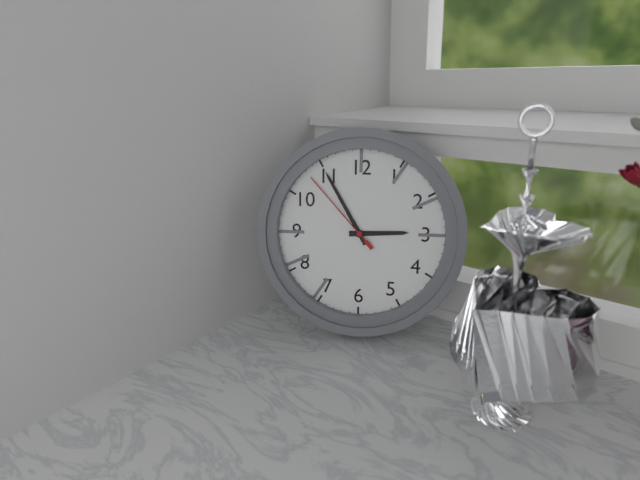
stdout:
{"hour": 2, "minute": 55, "second": 53}
